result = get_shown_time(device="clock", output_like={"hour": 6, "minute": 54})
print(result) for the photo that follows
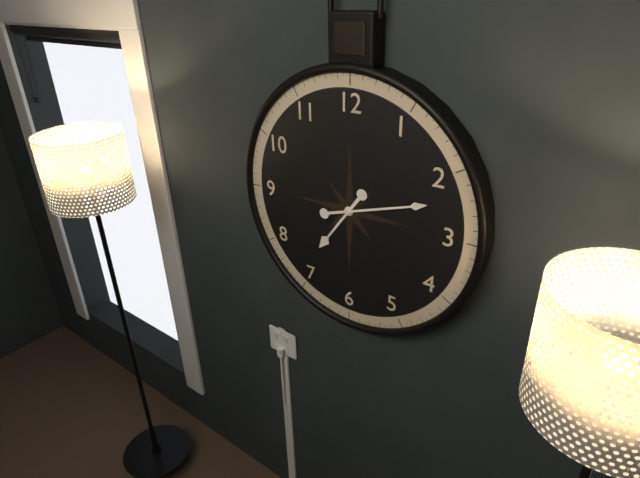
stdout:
{"hour": 7, "minute": 12}
